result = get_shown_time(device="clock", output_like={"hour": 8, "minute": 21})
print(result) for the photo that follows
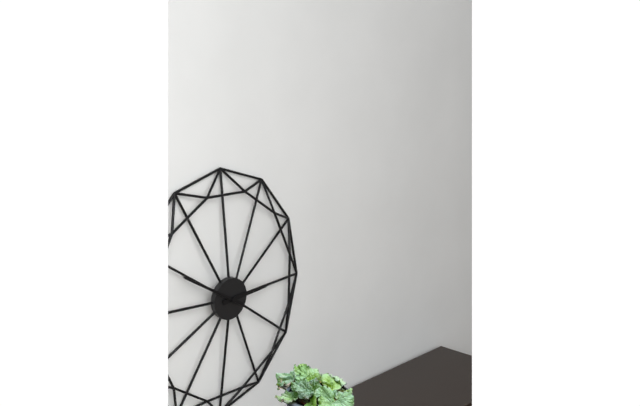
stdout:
{"hour": 2, "minute": 50}
